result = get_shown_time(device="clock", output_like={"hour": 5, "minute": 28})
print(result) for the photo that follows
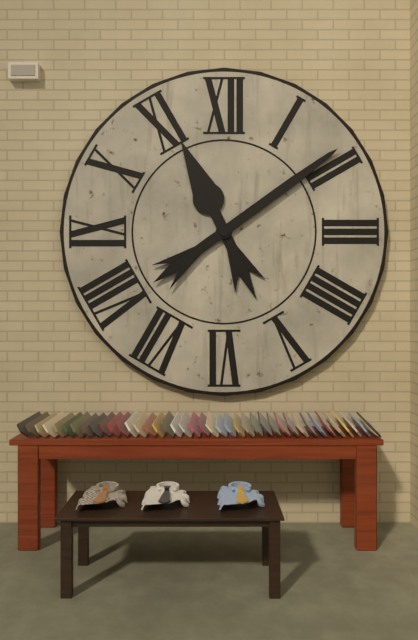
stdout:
{"hour": 11, "minute": 9}
